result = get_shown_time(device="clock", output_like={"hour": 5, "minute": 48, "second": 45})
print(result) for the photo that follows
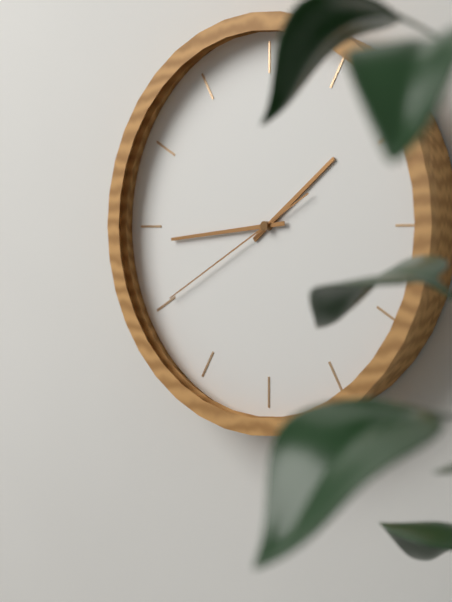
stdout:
{"hour": 1, "minute": 44, "second": 40}
